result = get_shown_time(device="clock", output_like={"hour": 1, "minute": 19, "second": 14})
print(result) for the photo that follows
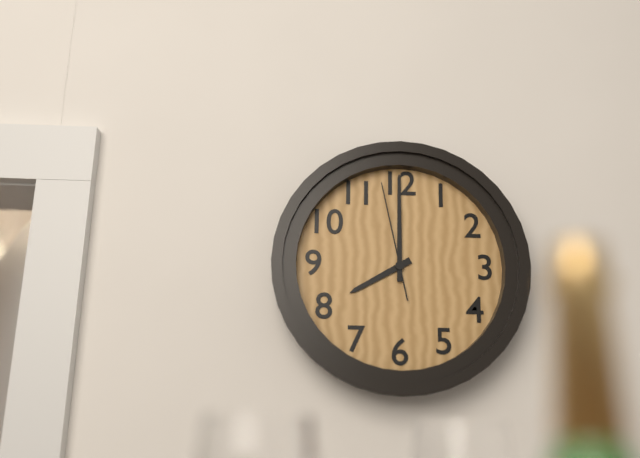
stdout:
{"hour": 8, "minute": 0, "second": 58}
